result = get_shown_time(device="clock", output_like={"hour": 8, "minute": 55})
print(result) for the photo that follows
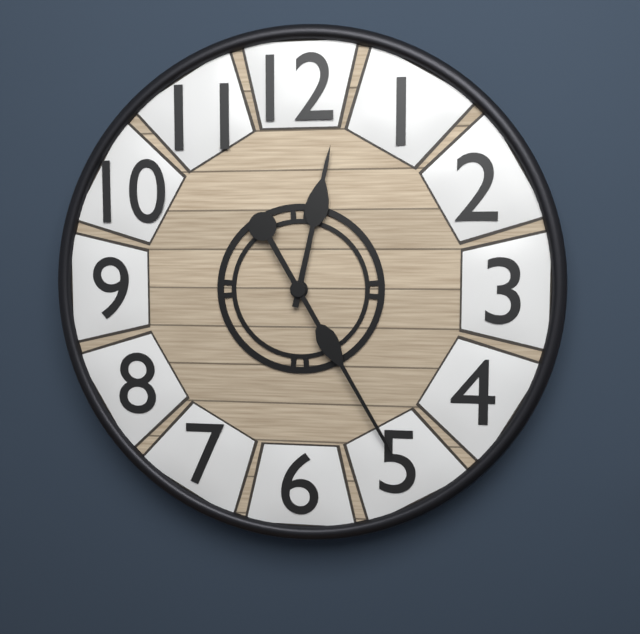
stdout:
{"hour": 12, "minute": 25}
